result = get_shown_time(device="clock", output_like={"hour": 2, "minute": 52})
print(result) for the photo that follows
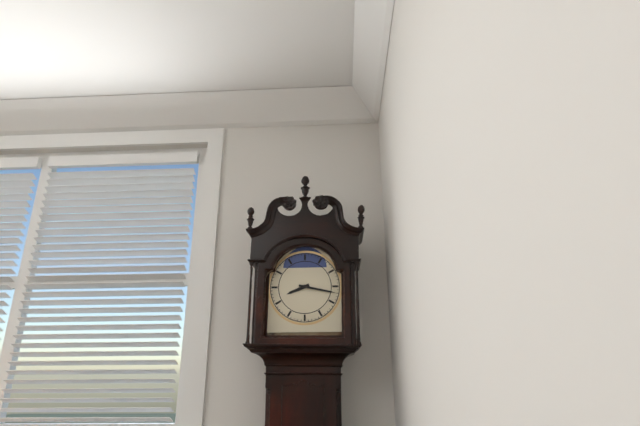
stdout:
{"hour": 8, "minute": 17}
